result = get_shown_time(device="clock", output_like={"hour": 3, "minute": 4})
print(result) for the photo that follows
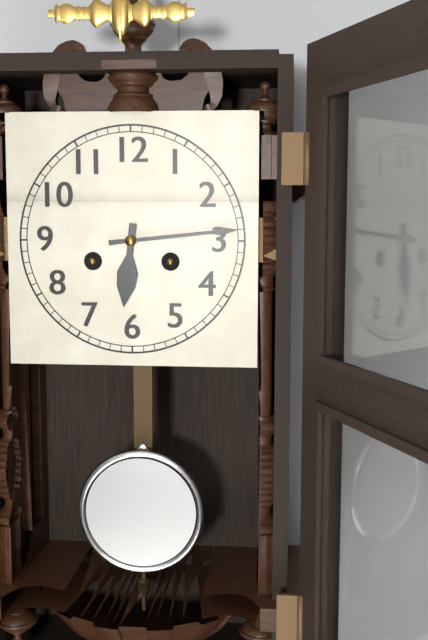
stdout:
{"hour": 6, "minute": 14}
